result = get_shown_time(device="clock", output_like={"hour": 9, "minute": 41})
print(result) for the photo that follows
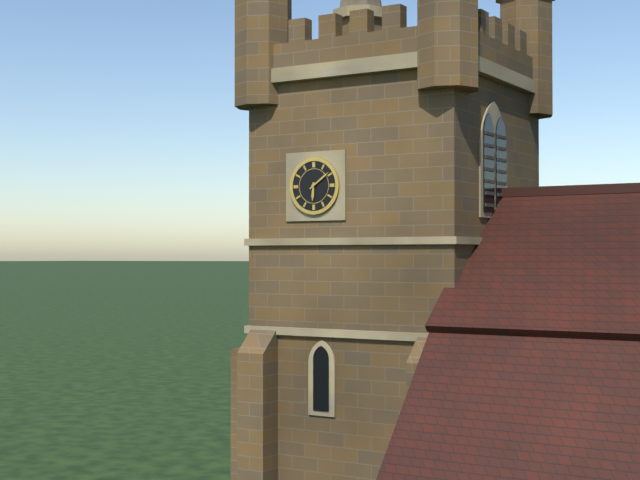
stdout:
{"hour": 6, "minute": 9}
